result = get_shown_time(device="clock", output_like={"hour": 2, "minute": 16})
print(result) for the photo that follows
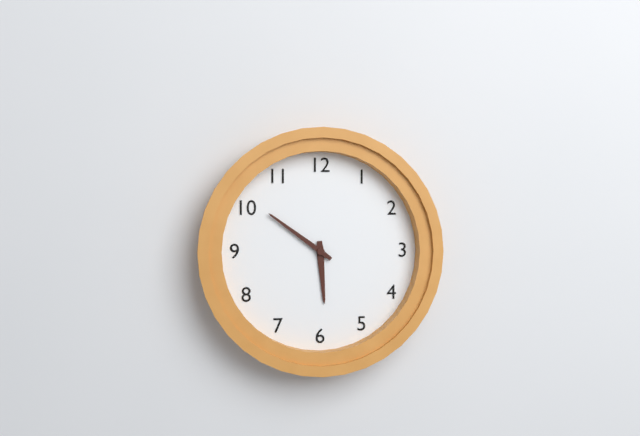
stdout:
{"hour": 5, "minute": 51}
